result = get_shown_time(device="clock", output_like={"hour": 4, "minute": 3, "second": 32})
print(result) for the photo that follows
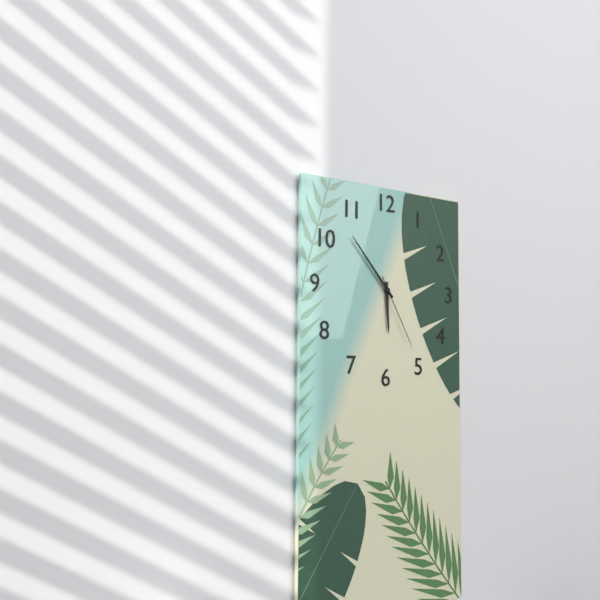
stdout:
{"hour": 5, "minute": 53, "second": 25}
